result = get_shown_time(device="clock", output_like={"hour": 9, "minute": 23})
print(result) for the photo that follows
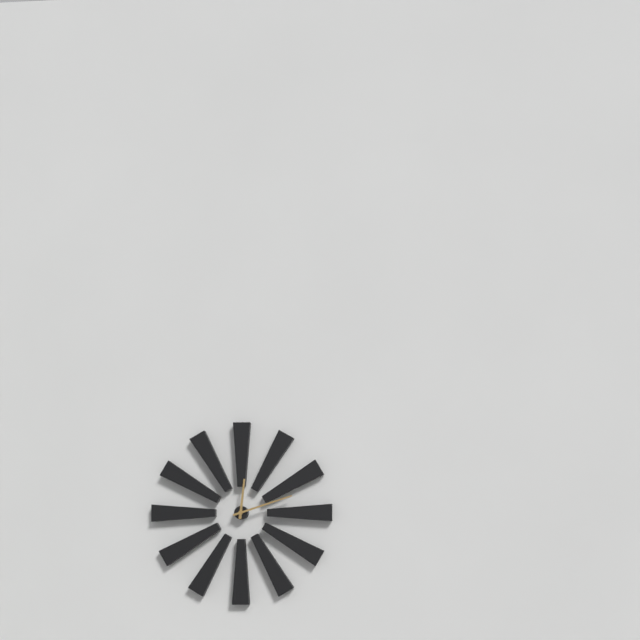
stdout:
{"hour": 12, "minute": 12}
